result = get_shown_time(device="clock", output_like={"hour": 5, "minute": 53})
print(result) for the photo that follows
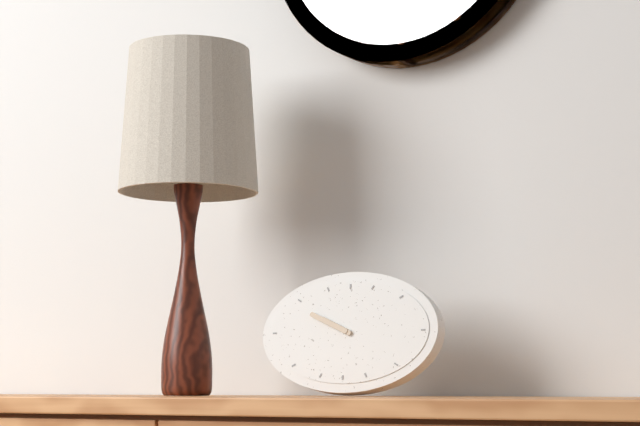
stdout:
{"hour": 9, "minute": 49}
